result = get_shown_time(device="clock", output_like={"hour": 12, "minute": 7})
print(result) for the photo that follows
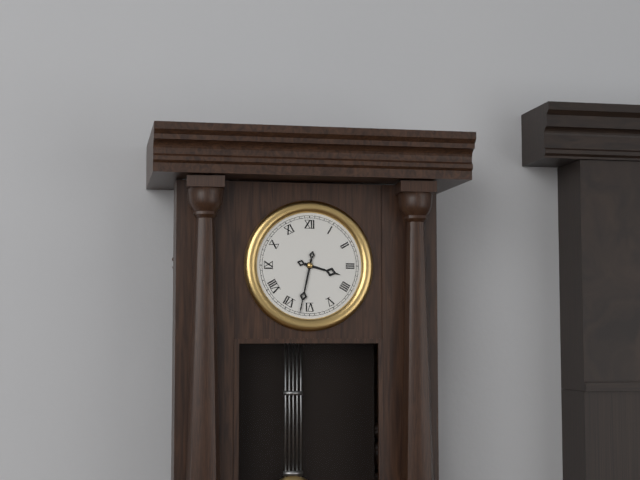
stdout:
{"hour": 3, "minute": 32}
